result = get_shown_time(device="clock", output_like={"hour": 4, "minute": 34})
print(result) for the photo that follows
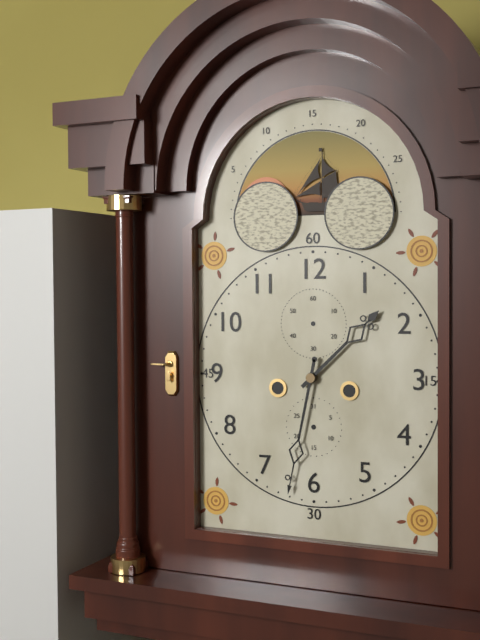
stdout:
{"hour": 1, "minute": 32}
